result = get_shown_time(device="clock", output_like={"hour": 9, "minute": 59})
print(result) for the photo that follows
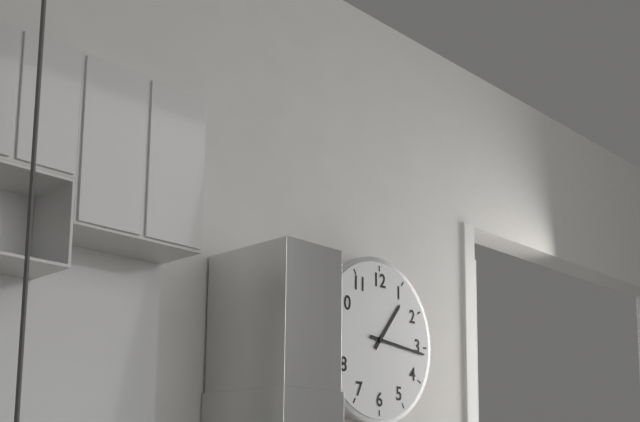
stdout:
{"hour": 1, "minute": 16}
